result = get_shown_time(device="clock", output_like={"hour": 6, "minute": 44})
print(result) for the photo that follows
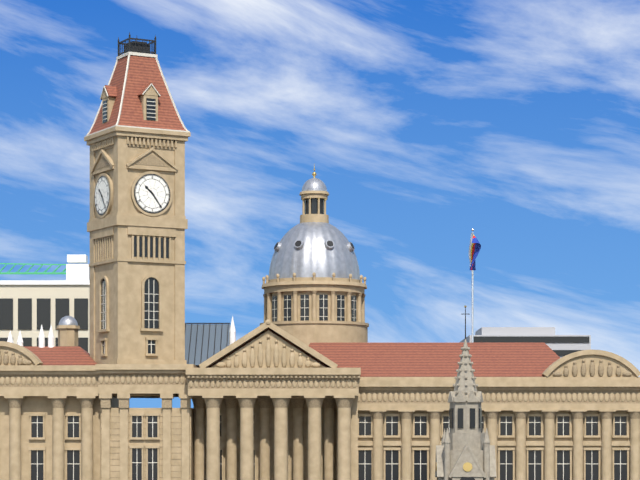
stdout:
{"hour": 10, "minute": 24}
